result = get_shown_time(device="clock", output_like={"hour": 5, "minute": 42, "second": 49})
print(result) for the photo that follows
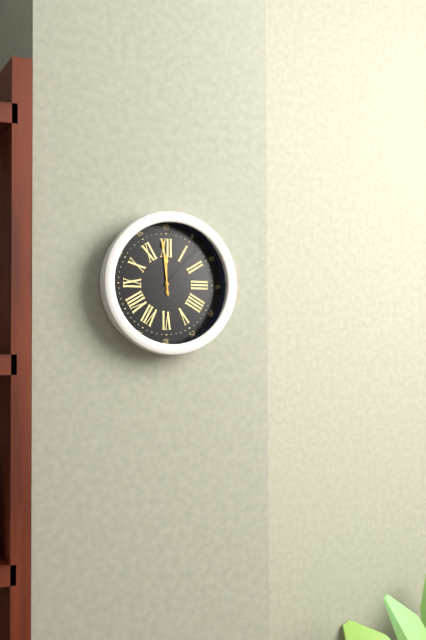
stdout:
{"hour": 11, "minute": 59, "second": 7}
